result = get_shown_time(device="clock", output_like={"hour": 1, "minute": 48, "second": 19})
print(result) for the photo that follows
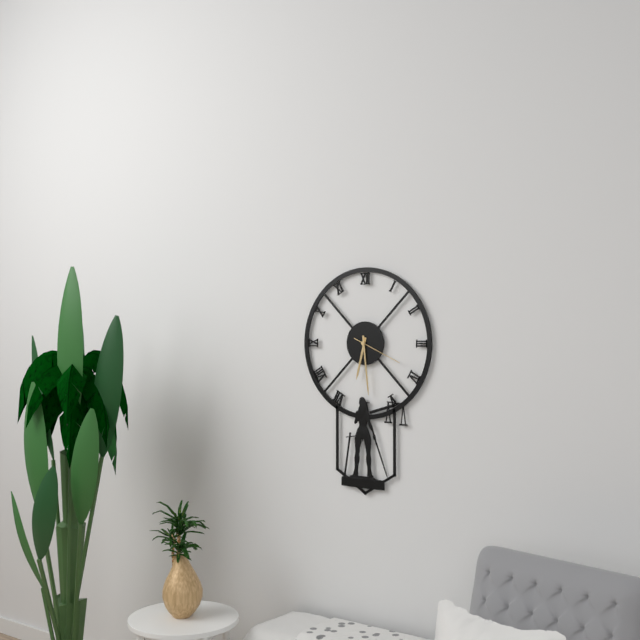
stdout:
{"hour": 6, "minute": 29, "second": 19}
